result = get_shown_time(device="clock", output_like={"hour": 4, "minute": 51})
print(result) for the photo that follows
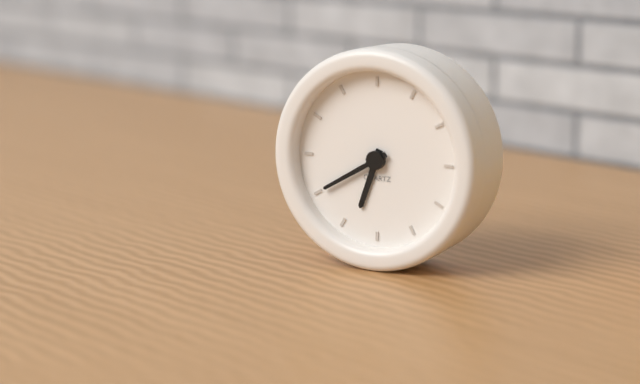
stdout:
{"hour": 6, "minute": 40}
